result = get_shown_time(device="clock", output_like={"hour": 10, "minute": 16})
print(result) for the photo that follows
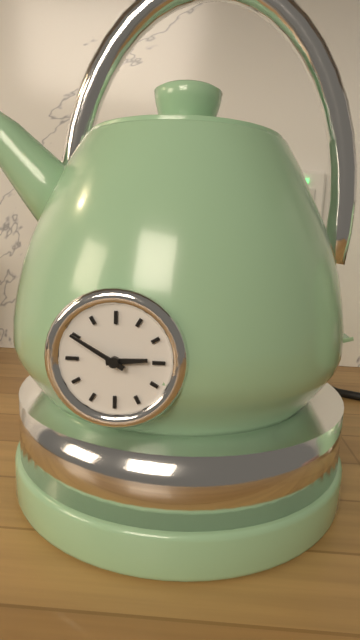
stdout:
{"hour": 2, "minute": 50}
